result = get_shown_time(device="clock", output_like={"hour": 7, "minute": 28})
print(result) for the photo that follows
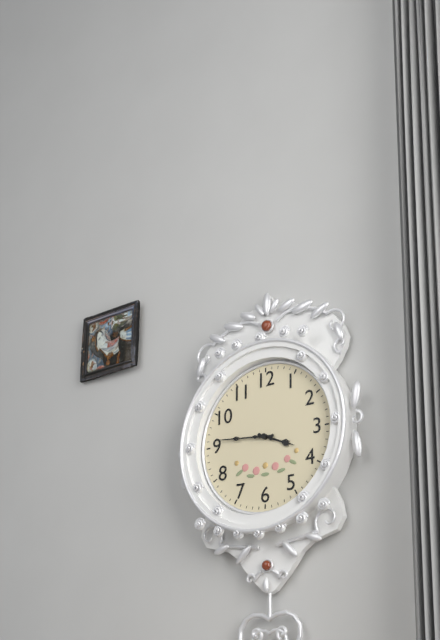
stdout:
{"hour": 3, "minute": 46}
